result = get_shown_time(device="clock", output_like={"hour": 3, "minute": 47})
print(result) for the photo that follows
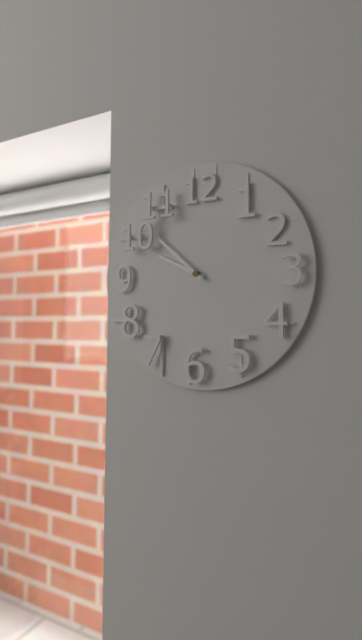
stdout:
{"hour": 9, "minute": 52}
